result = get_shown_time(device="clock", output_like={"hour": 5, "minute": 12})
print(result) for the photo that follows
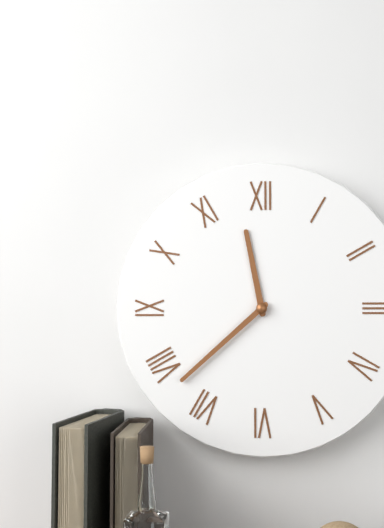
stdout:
{"hour": 11, "minute": 38}
